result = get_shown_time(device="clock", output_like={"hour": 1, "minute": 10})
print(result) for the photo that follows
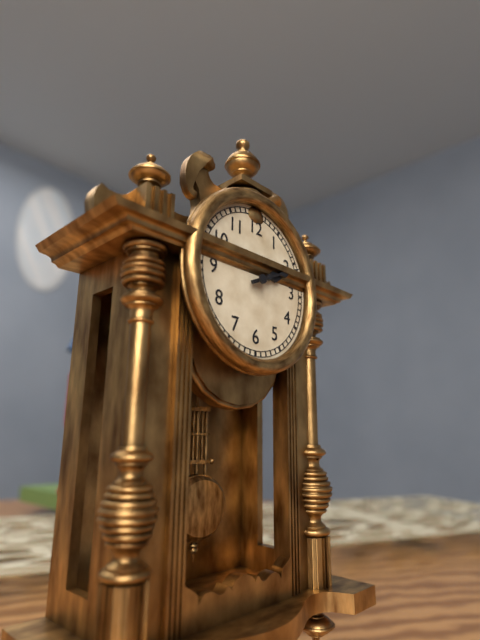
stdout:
{"hour": 2, "minute": 11}
